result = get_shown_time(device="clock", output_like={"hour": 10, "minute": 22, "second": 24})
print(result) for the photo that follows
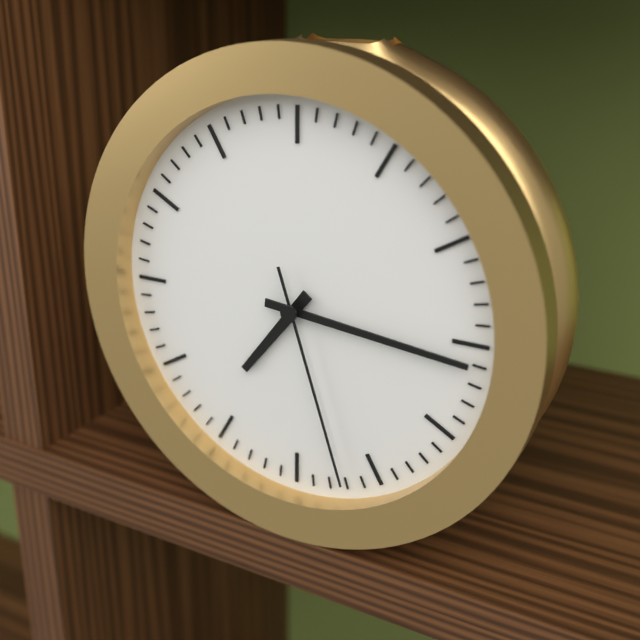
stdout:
{"hour": 7, "minute": 16, "second": 27}
